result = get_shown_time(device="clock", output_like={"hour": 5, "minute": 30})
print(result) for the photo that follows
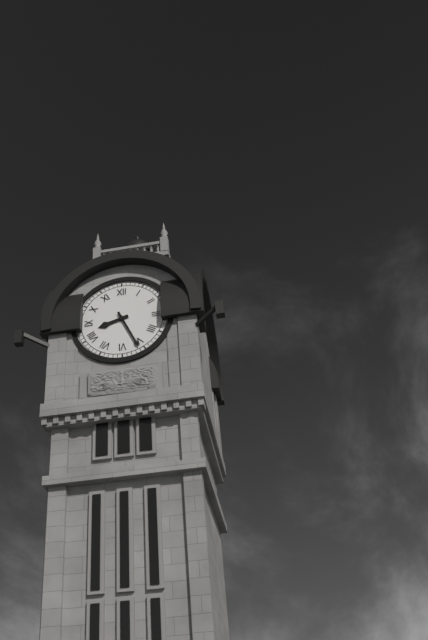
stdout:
{"hour": 8, "minute": 26}
